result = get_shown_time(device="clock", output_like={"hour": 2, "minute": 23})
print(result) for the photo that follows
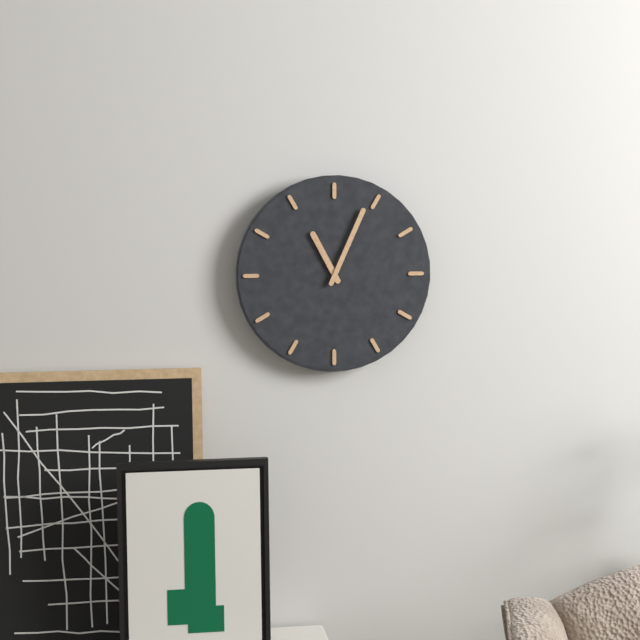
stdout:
{"hour": 11, "minute": 4}
